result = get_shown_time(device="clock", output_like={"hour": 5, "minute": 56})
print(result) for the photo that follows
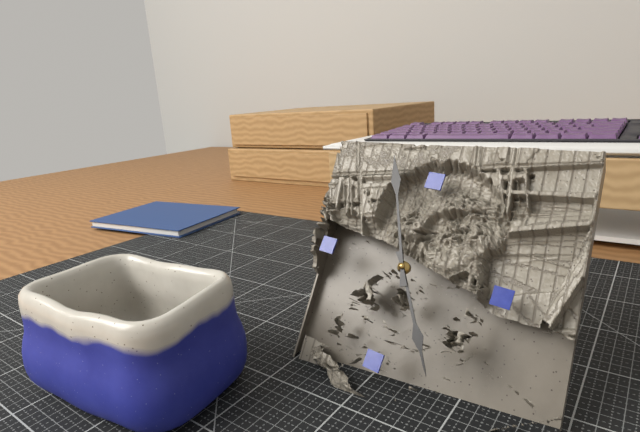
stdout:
{"hour": 4, "minute": 56}
